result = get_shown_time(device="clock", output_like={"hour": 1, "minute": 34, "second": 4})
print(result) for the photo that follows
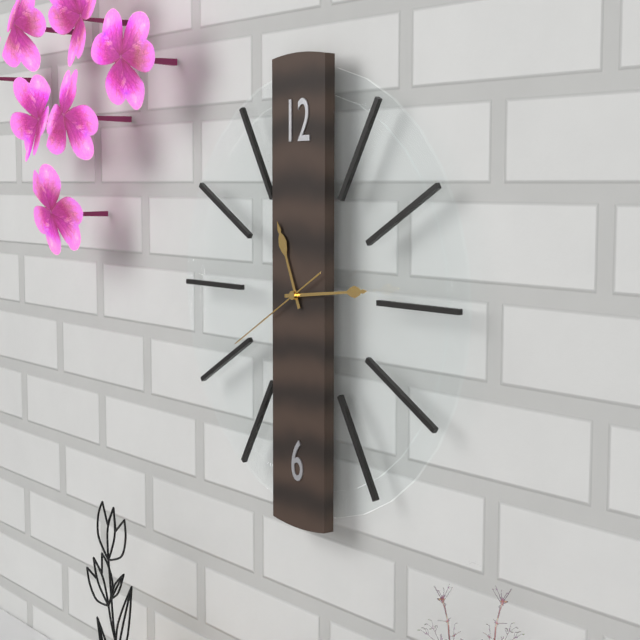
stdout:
{"hour": 11, "minute": 14, "second": 40}
